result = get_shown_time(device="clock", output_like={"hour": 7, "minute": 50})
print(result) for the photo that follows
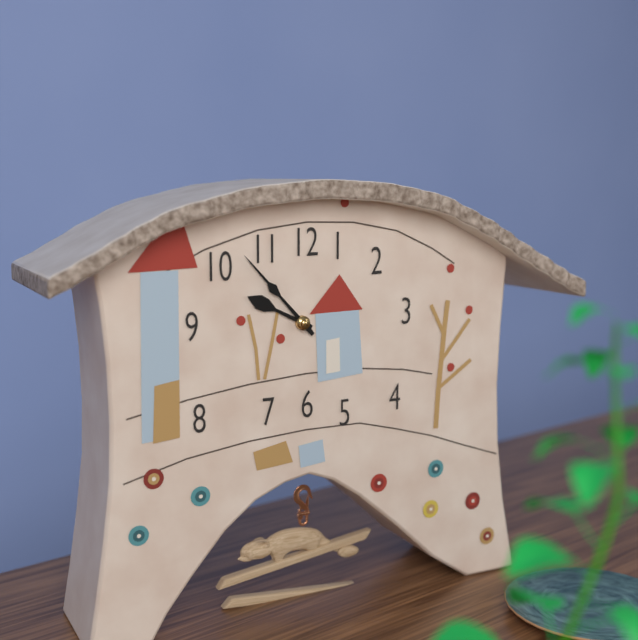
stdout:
{"hour": 9, "minute": 53}
